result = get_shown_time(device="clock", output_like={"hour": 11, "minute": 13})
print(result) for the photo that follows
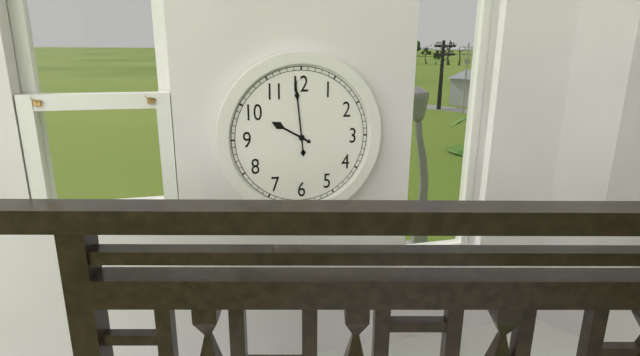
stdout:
{"hour": 9, "minute": 59}
